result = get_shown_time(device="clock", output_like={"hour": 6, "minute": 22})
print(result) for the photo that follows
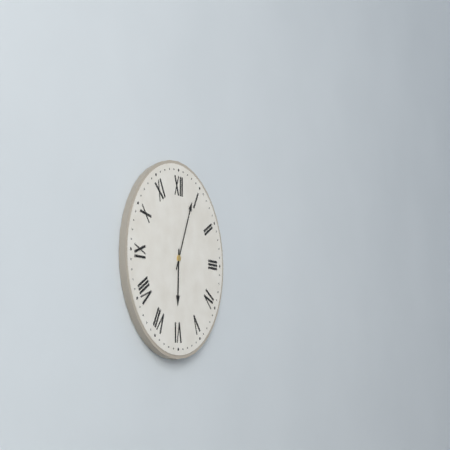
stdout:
{"hour": 6, "minute": 4}
